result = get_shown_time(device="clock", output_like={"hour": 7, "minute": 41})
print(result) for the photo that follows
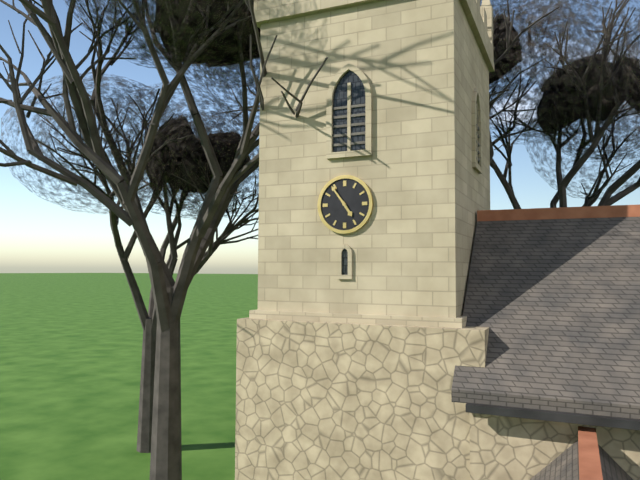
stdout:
{"hour": 4, "minute": 54}
